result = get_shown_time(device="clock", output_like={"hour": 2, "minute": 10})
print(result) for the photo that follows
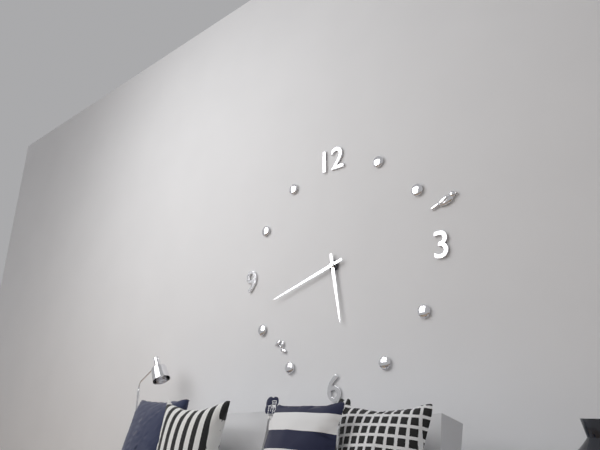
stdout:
{"hour": 5, "minute": 42}
